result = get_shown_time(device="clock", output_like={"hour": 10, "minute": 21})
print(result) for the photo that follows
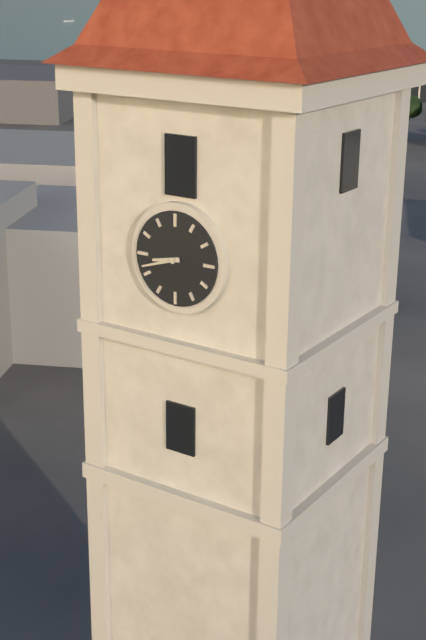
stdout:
{"hour": 8, "minute": 42}
